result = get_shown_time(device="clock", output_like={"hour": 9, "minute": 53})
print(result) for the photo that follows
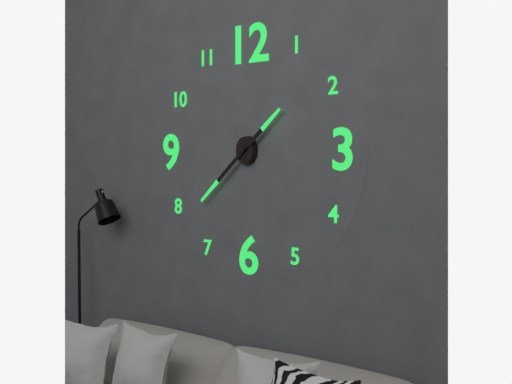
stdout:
{"hour": 1, "minute": 38}
